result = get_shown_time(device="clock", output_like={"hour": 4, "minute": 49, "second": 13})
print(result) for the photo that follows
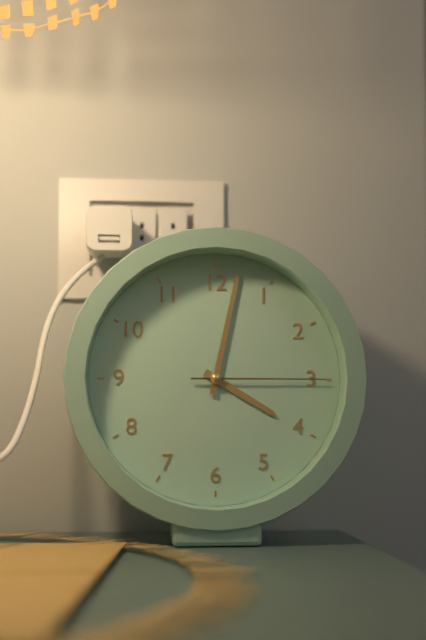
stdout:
{"hour": 4, "minute": 2, "second": 15}
